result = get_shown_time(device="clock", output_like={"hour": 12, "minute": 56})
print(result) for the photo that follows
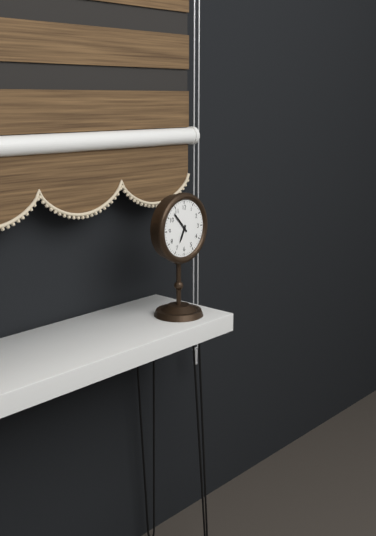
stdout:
{"hour": 6, "minute": 53}
